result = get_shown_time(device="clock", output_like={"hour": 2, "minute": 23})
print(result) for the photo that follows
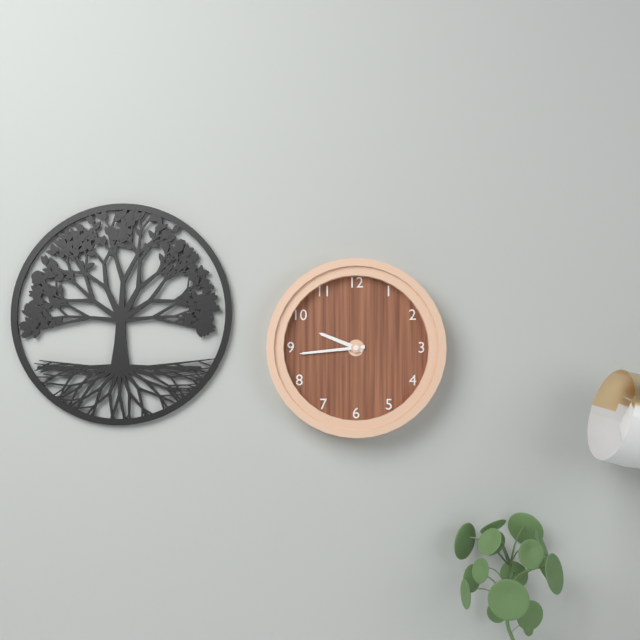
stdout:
{"hour": 9, "minute": 44}
